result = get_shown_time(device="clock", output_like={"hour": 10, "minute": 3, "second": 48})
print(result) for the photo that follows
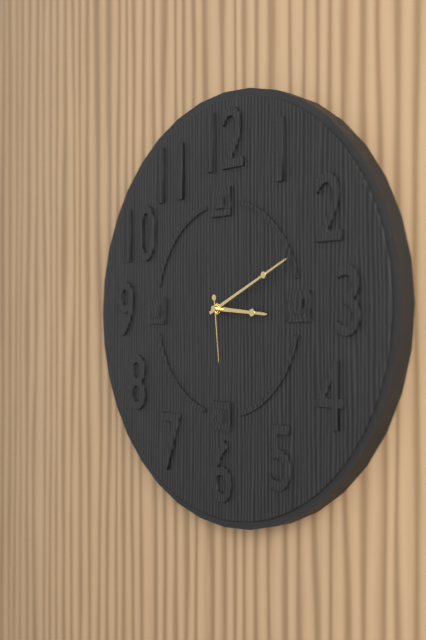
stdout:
{"hour": 3, "minute": 11, "second": 29}
